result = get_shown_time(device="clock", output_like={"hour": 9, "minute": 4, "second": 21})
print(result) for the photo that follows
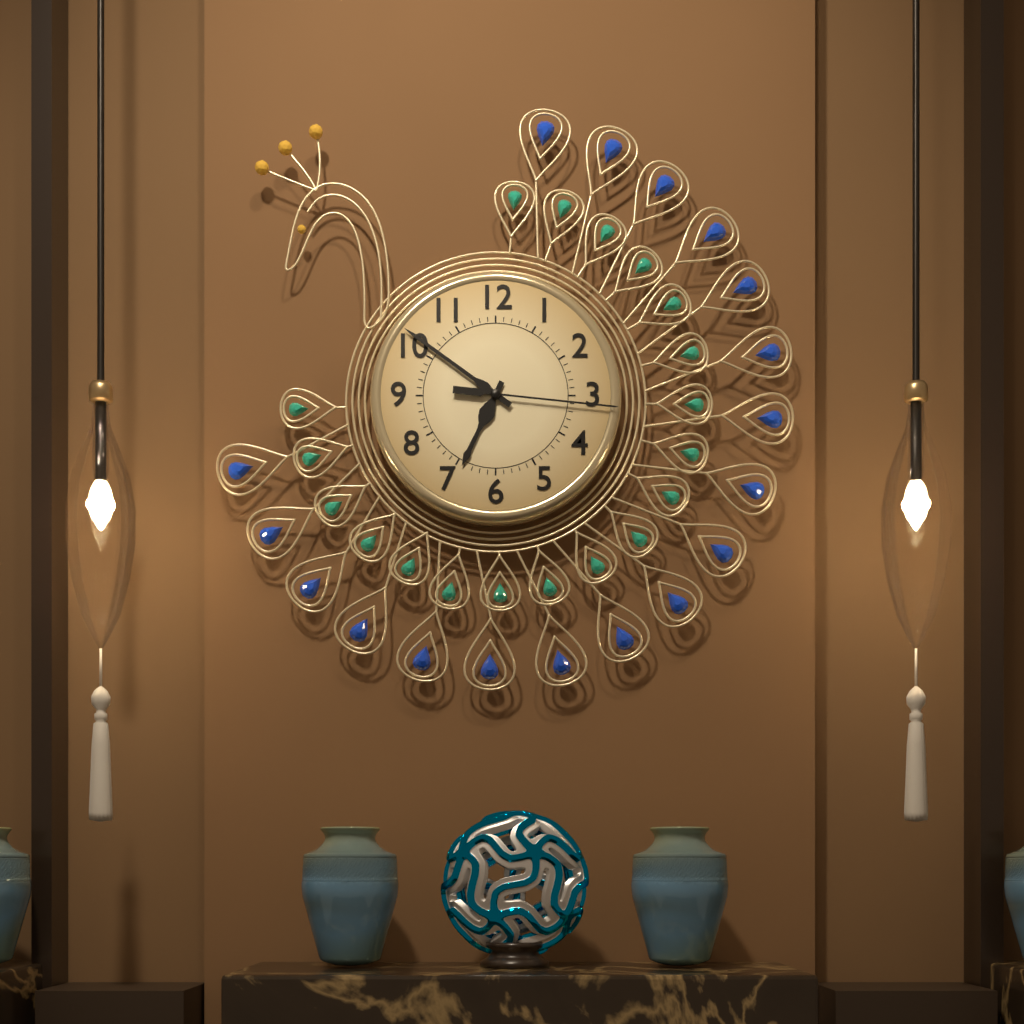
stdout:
{"hour": 6, "minute": 51, "second": 16}
